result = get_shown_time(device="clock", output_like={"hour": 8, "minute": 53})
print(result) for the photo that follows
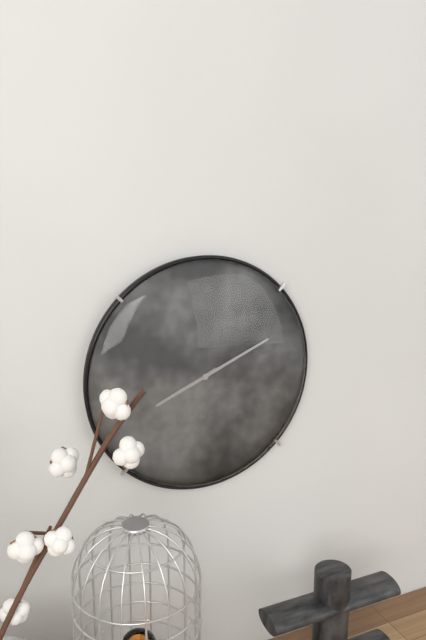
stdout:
{"hour": 8, "minute": 11}
